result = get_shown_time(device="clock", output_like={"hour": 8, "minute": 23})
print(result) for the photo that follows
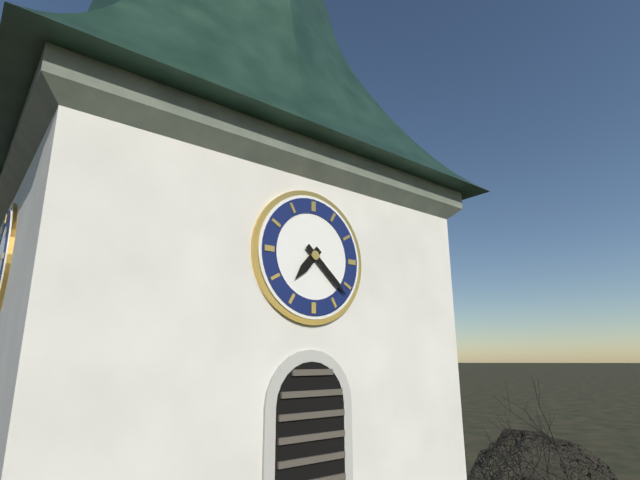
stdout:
{"hour": 7, "minute": 22}
